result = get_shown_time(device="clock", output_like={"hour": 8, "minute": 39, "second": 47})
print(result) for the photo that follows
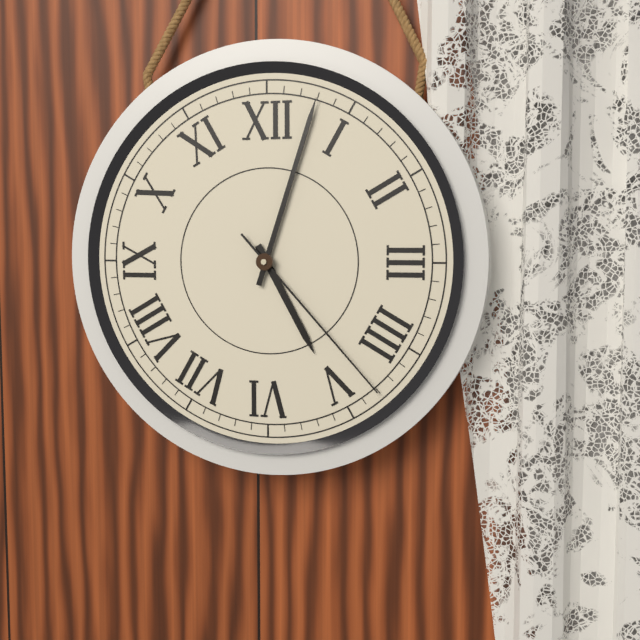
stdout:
{"hour": 5, "minute": 3, "second": 23}
